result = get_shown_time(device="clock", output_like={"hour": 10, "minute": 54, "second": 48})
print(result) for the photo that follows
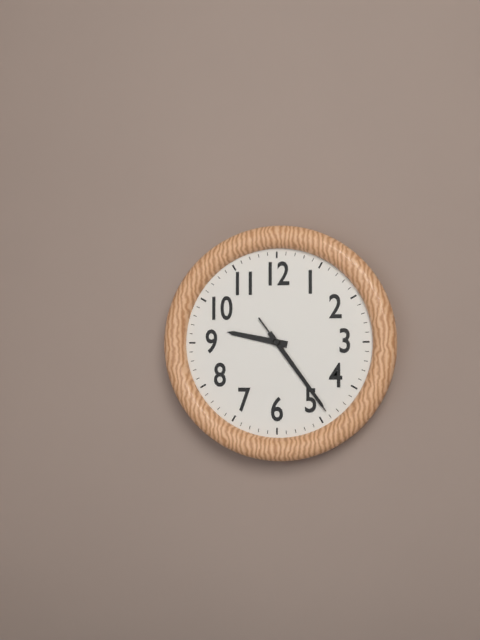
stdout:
{"hour": 9, "minute": 24, "second": 24}
